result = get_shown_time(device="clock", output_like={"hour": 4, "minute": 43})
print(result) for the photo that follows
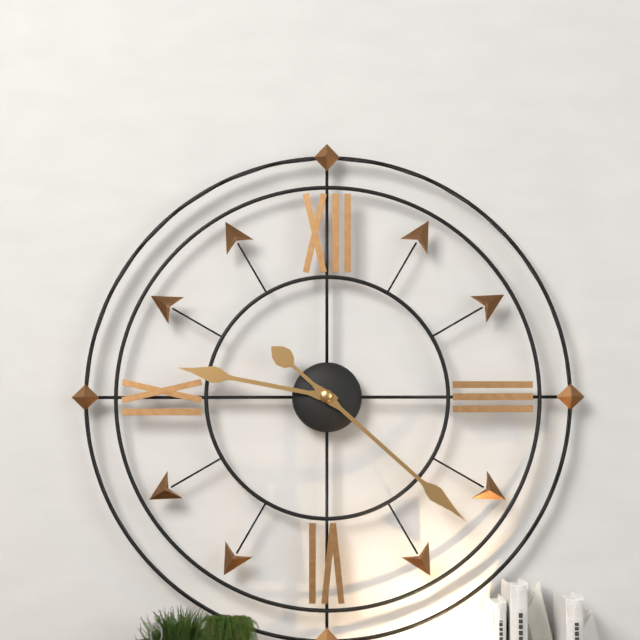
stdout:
{"hour": 9, "minute": 22}
